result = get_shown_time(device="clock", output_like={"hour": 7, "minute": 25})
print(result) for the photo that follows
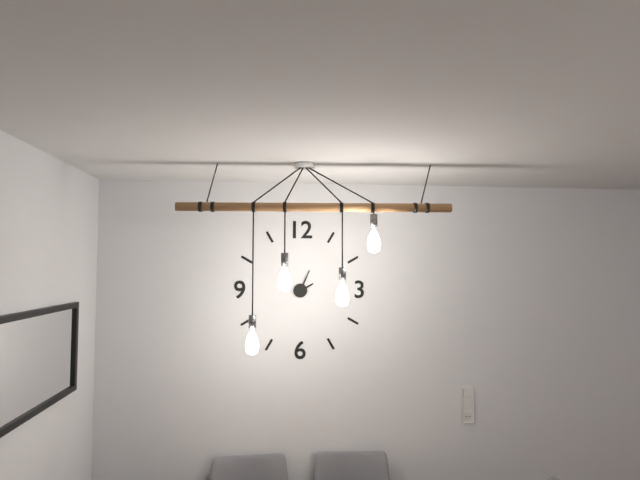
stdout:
{"hour": 2, "minute": 4}
